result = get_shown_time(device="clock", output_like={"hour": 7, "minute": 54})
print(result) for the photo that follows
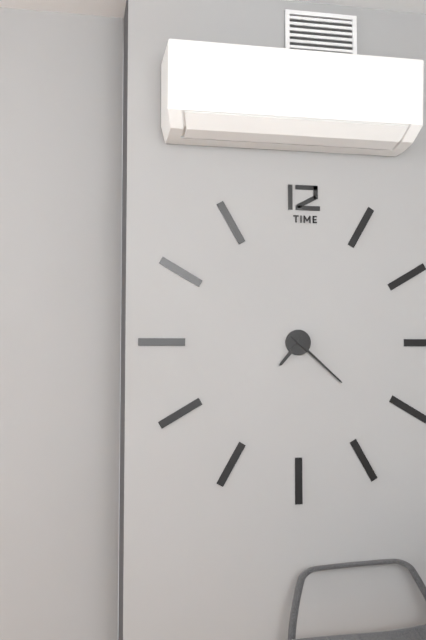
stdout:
{"hour": 7, "minute": 22}
